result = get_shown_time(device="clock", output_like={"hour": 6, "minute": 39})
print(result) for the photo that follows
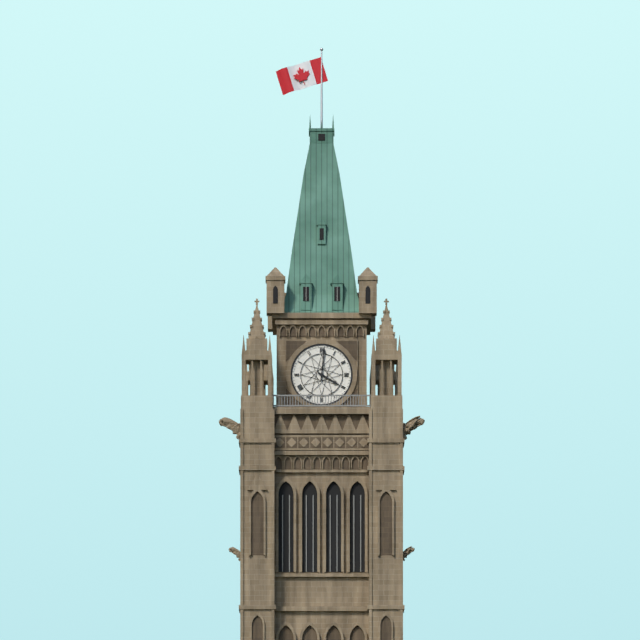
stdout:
{"hour": 4, "minute": 1}
